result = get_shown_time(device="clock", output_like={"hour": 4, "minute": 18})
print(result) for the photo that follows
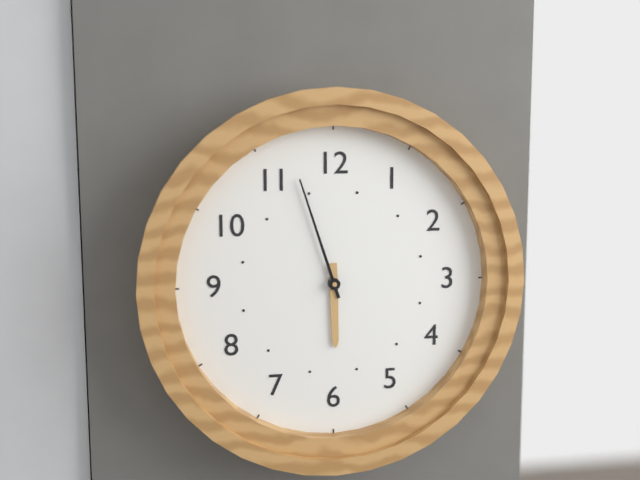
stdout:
{"hour": 5, "minute": 57}
